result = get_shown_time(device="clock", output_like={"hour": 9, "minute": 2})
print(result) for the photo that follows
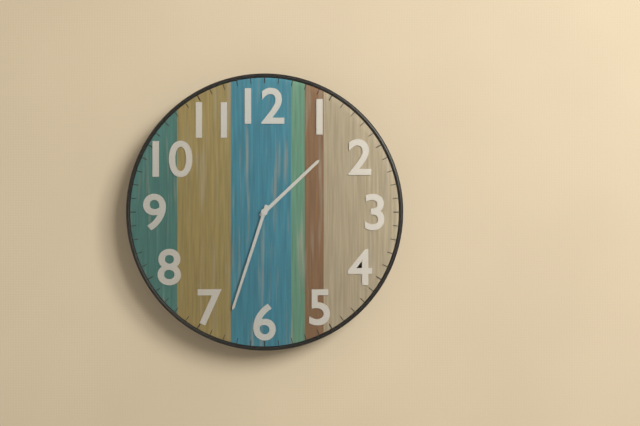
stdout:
{"hour": 1, "minute": 33}
